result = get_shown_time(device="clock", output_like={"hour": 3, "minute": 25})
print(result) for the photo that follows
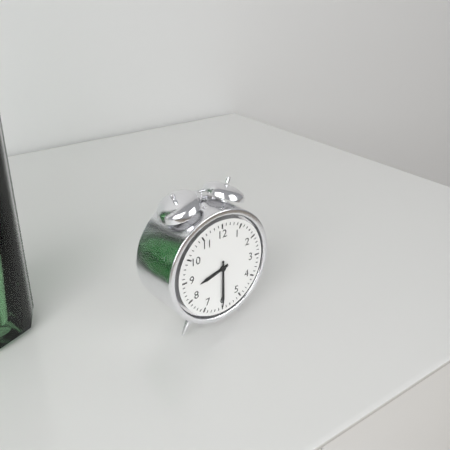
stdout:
{"hour": 8, "minute": 30}
